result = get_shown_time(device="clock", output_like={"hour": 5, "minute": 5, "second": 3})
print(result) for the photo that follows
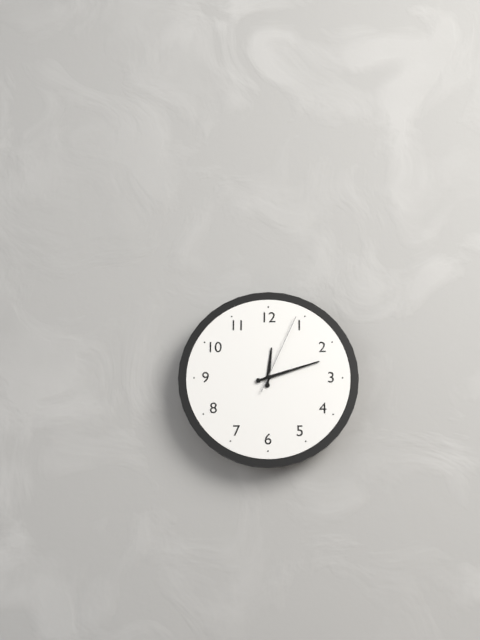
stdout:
{"hour": 12, "minute": 12, "second": 4}
